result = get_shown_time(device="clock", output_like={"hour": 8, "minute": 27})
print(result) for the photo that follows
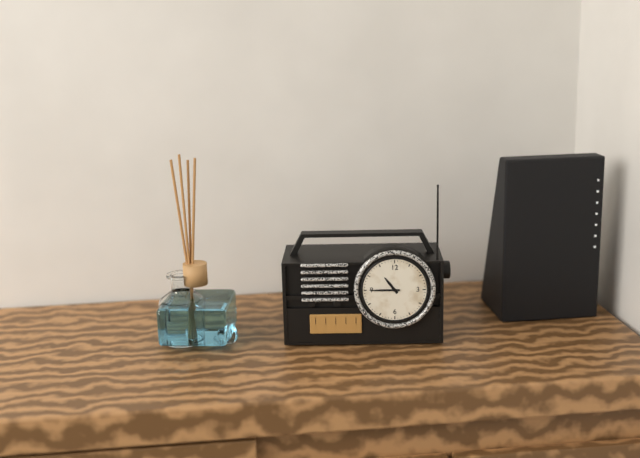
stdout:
{"hour": 10, "minute": 45}
